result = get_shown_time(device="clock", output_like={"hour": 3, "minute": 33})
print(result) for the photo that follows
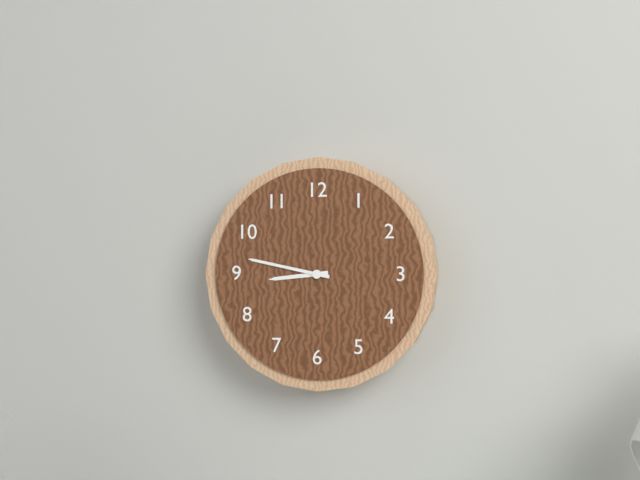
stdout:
{"hour": 8, "minute": 47}
